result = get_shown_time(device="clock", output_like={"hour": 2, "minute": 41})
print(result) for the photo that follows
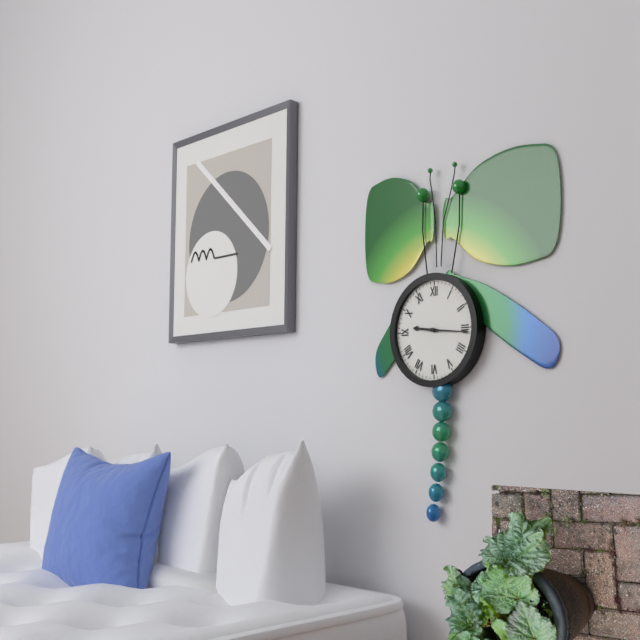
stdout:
{"hour": 9, "minute": 16}
